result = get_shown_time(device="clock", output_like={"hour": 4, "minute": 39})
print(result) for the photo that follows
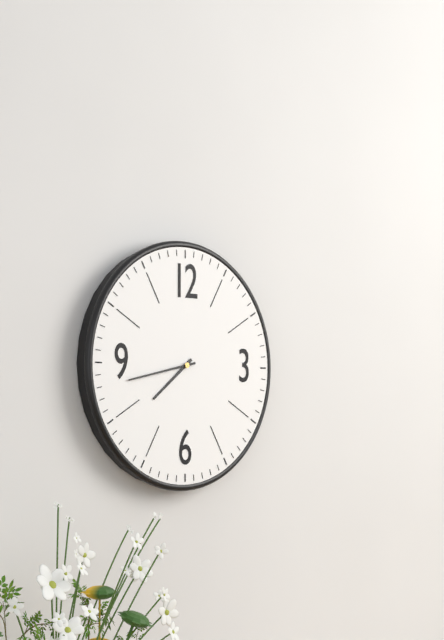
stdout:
{"hour": 7, "minute": 43}
